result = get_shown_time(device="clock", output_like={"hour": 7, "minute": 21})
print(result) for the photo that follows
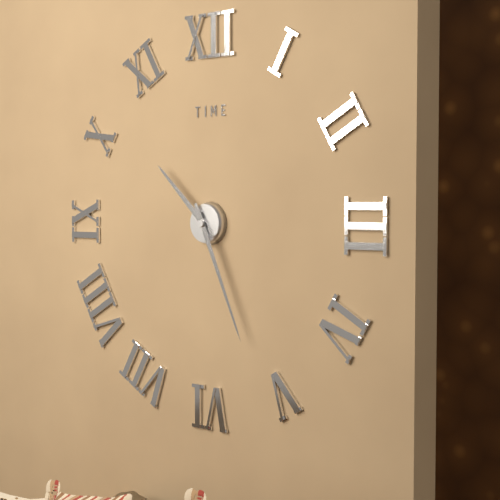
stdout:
{"hour": 10, "minute": 26}
